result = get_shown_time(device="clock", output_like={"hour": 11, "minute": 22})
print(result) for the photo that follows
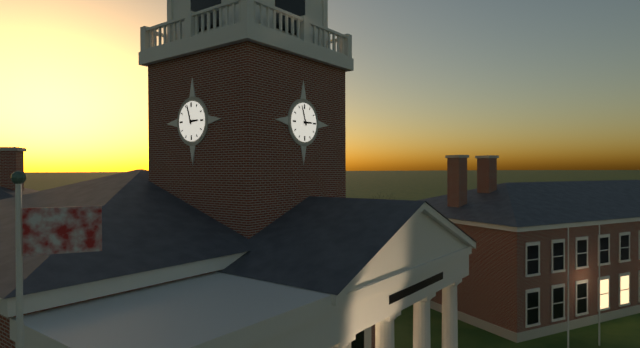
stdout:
{"hour": 2, "minute": 57}
